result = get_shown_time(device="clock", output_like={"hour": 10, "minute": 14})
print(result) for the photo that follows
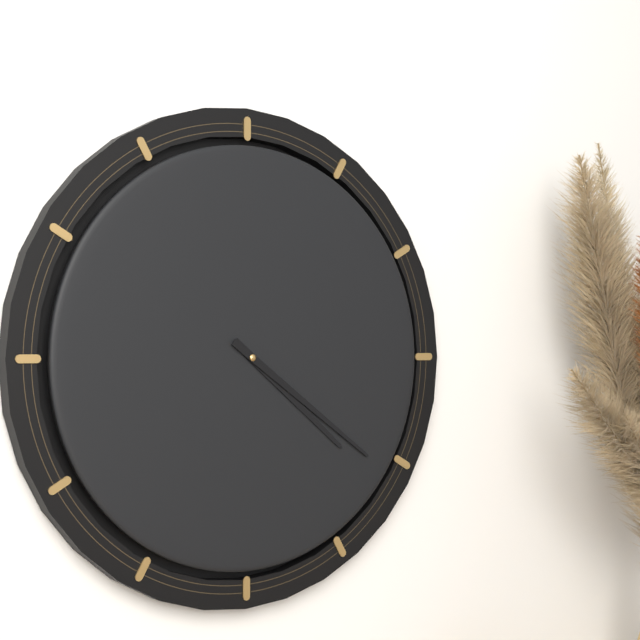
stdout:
{"hour": 4, "minute": 21}
